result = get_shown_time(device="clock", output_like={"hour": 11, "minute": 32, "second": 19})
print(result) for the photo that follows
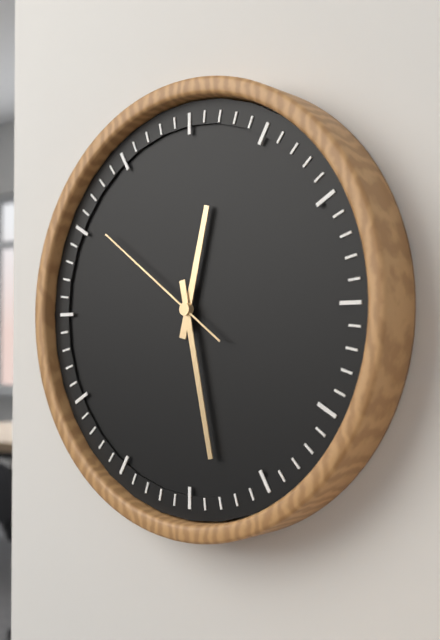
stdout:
{"hour": 12, "minute": 28, "second": 51}
